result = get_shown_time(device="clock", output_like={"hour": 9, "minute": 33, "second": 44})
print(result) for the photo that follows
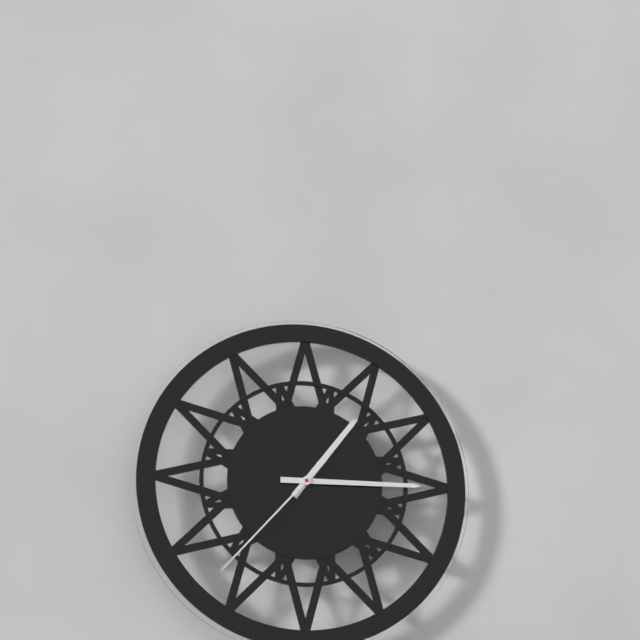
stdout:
{"hour": 1, "minute": 15, "second": 37}
